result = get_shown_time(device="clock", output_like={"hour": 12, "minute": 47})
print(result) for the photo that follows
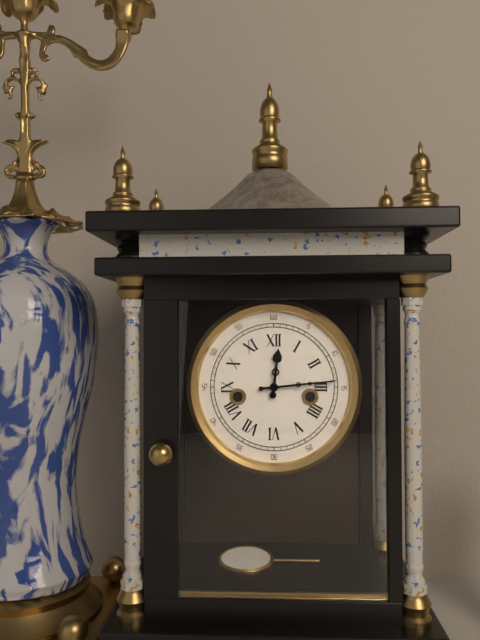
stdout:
{"hour": 12, "minute": 14}
